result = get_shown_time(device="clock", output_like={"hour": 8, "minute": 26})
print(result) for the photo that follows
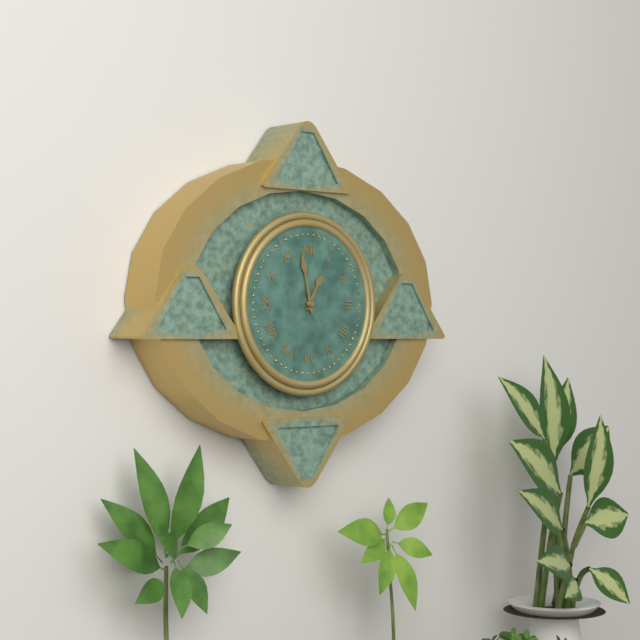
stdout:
{"hour": 12, "minute": 58}
